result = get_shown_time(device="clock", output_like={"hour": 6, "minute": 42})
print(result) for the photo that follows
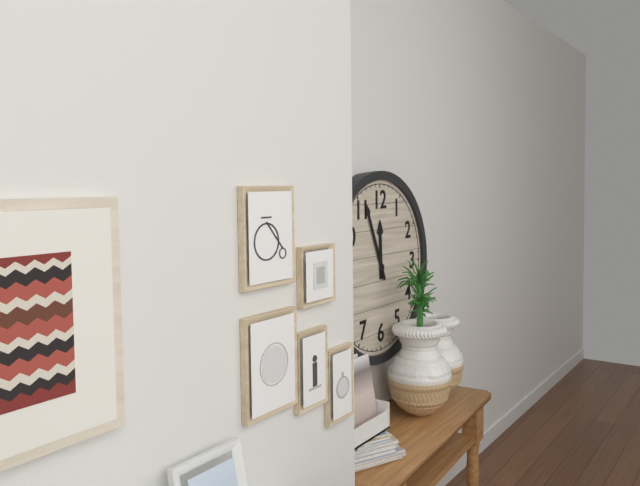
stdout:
{"hour": 11, "minute": 56}
